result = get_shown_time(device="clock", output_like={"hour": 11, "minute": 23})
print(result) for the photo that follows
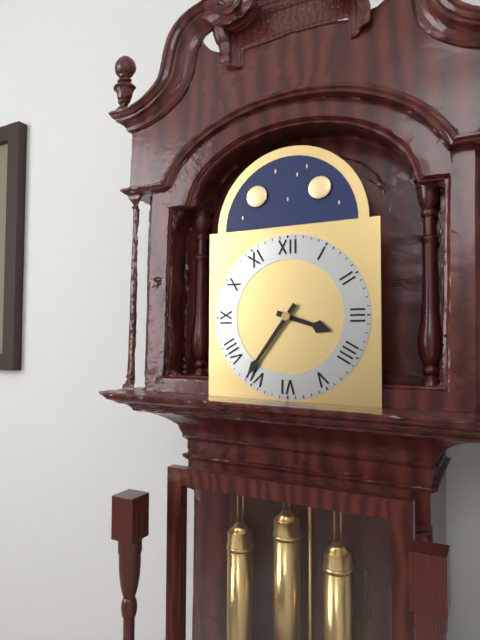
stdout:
{"hour": 3, "minute": 36}
